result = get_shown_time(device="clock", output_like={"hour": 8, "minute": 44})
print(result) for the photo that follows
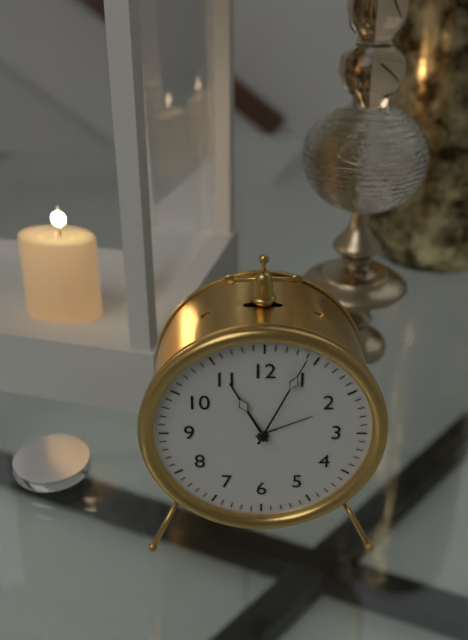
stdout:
{"hour": 11, "minute": 4}
